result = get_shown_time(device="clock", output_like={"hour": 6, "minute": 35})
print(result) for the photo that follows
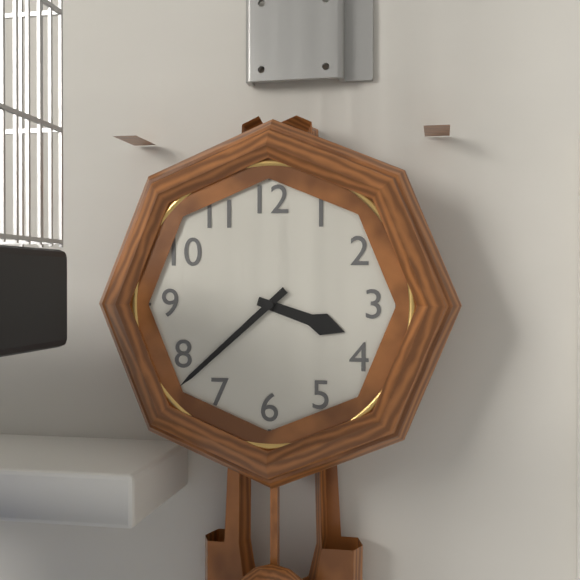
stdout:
{"hour": 3, "minute": 38}
